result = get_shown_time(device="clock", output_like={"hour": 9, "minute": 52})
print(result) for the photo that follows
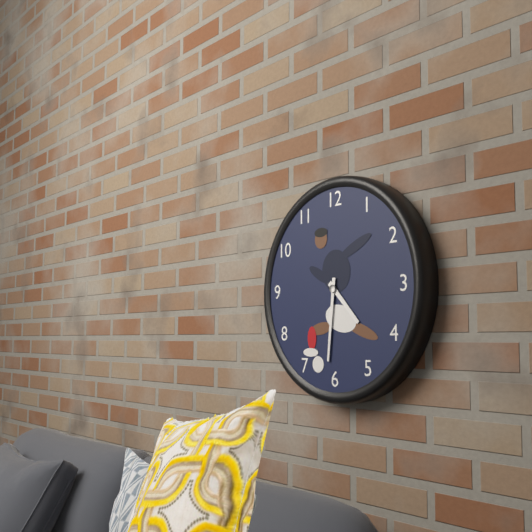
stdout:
{"hour": 4, "minute": 31}
